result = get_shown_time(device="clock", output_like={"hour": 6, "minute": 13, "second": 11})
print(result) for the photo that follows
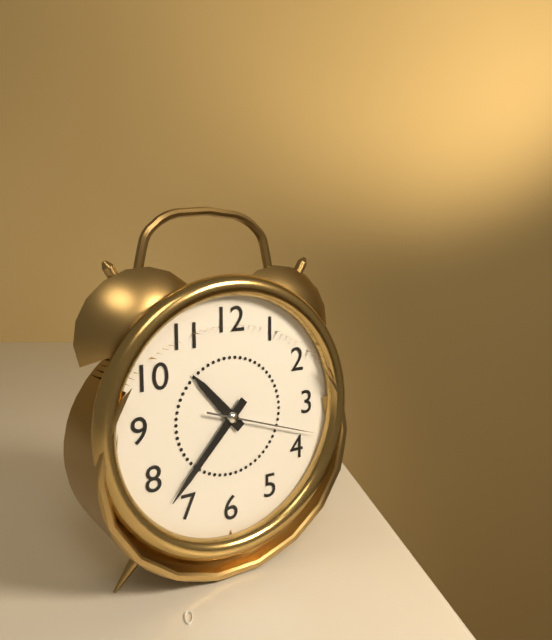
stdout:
{"hour": 10, "minute": 37, "second": 18}
